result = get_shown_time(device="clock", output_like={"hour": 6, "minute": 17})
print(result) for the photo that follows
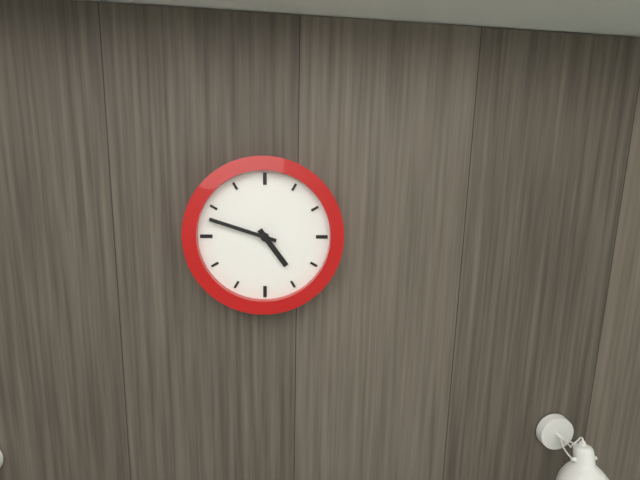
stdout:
{"hour": 4, "minute": 48}
